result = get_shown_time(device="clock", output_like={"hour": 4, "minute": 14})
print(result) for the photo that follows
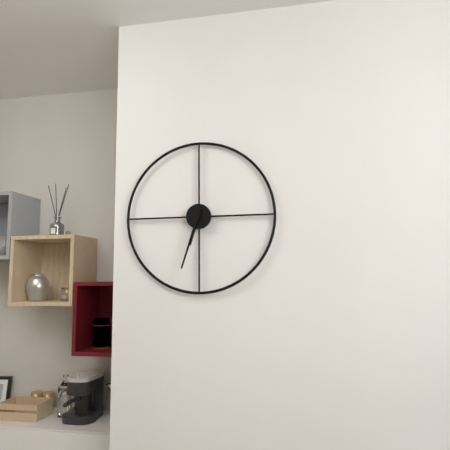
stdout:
{"hour": 6, "minute": 33}
